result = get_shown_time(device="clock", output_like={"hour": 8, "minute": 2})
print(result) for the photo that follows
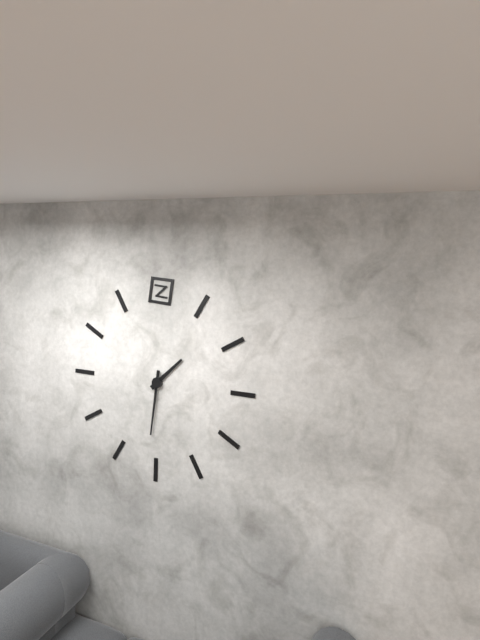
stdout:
{"hour": 1, "minute": 31}
